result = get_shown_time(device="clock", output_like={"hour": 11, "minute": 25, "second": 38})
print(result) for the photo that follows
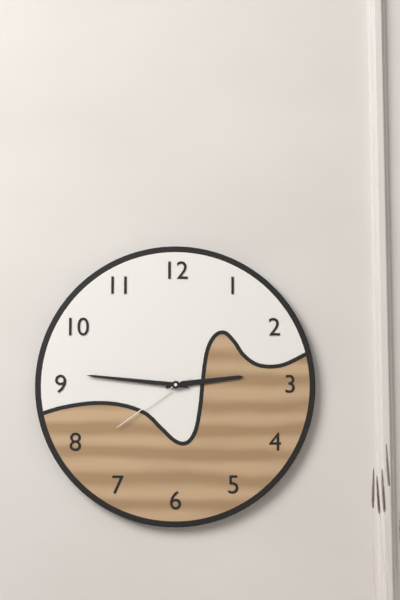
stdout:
{"hour": 2, "minute": 46, "second": 39}
